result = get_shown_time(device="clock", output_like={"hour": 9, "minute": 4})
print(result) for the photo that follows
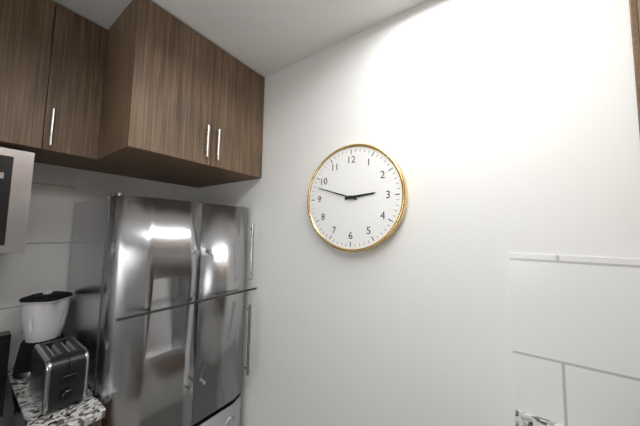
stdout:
{"hour": 2, "minute": 48}
